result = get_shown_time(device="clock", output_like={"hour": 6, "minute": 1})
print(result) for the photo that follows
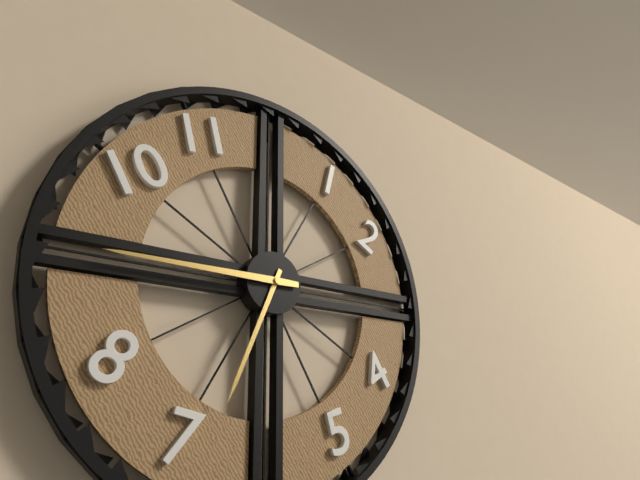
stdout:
{"hour": 6, "minute": 45}
